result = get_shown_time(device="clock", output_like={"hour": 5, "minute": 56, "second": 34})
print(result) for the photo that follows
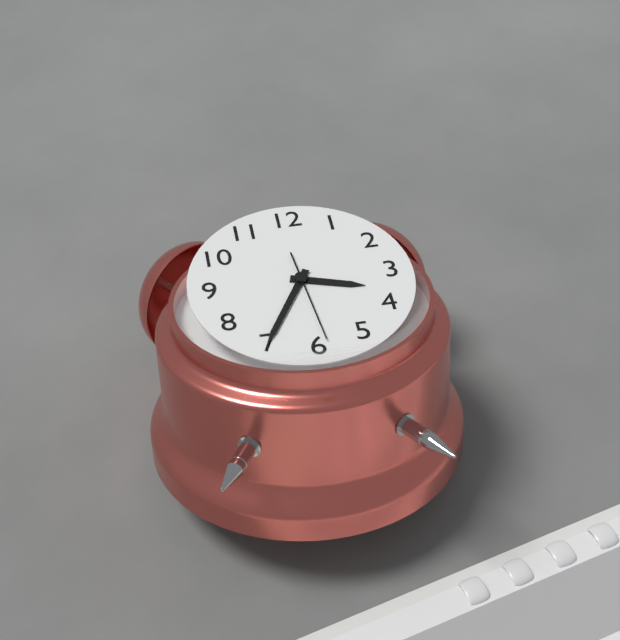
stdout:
{"hour": 3, "minute": 35, "second": 29}
